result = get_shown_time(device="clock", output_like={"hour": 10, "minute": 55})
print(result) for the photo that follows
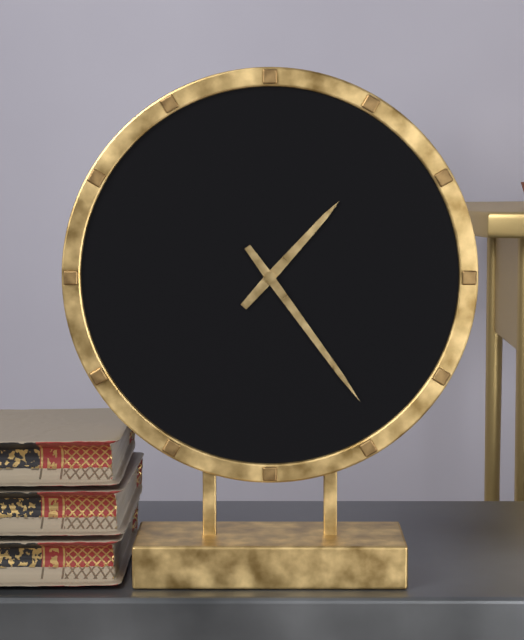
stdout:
{"hour": 1, "minute": 24}
